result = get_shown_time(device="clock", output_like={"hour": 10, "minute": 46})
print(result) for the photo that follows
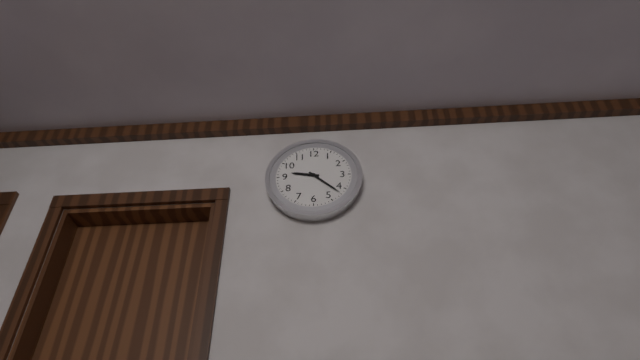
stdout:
{"hour": 9, "minute": 22}
